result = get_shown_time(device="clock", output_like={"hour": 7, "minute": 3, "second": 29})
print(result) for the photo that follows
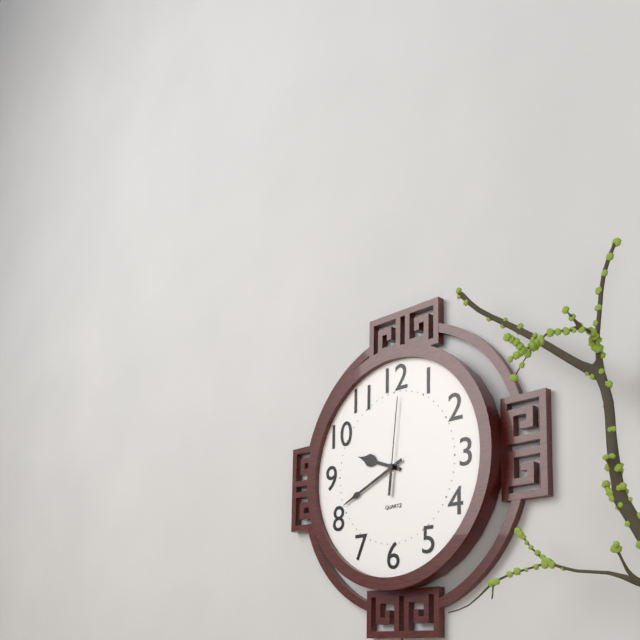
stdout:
{"hour": 9, "minute": 41, "second": 1}
